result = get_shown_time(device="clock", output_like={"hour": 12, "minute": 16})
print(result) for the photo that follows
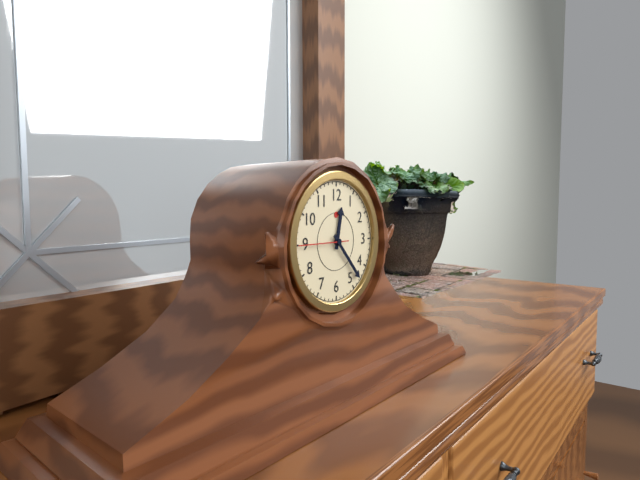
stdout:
{"hour": 12, "minute": 23}
